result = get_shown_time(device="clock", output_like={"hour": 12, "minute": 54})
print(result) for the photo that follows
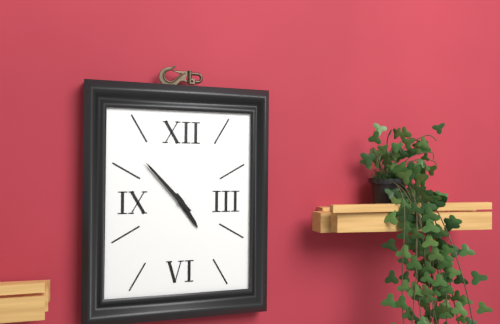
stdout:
{"hour": 4, "minute": 53}
